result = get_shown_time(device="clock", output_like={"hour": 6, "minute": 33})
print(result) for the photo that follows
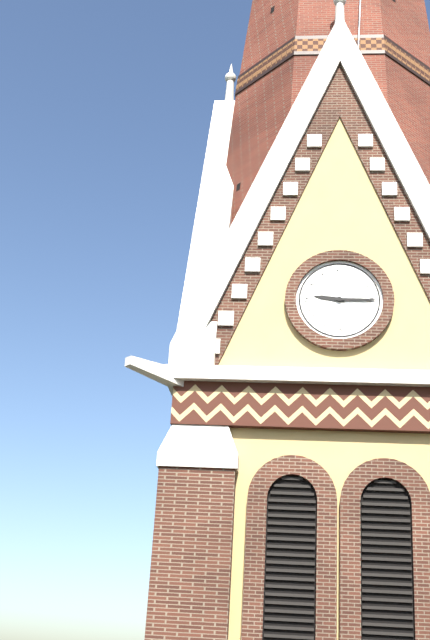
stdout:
{"hour": 9, "minute": 15}
